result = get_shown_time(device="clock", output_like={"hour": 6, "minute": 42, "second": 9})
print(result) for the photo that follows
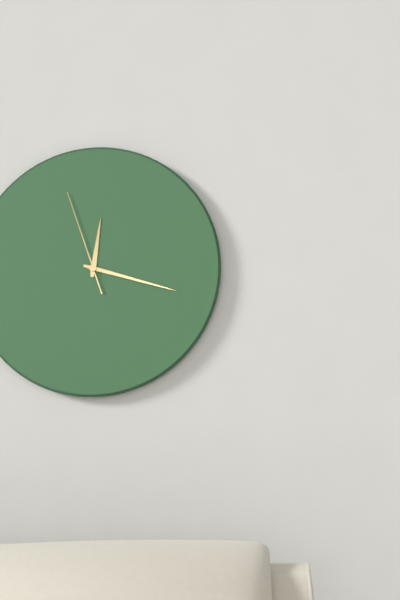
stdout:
{"hour": 12, "minute": 18, "second": 57}
